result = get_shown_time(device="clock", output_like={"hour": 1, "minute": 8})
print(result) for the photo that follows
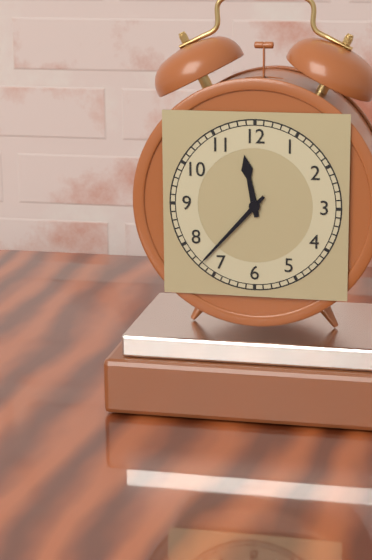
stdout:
{"hour": 11, "minute": 37}
